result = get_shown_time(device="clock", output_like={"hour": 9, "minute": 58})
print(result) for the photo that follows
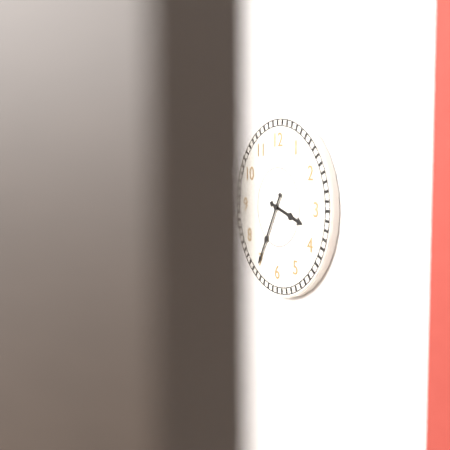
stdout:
{"hour": 3, "minute": 35}
